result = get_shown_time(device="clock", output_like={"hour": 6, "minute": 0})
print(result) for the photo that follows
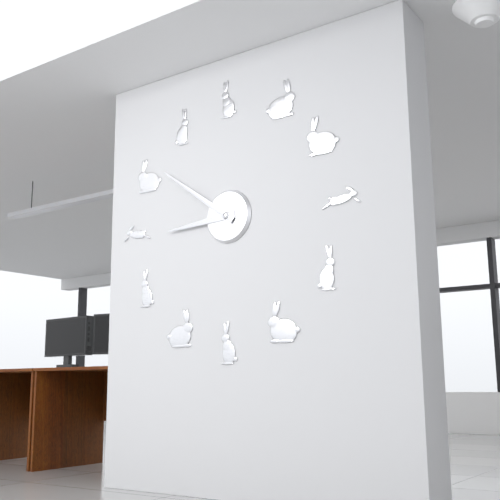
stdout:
{"hour": 8, "minute": 51}
